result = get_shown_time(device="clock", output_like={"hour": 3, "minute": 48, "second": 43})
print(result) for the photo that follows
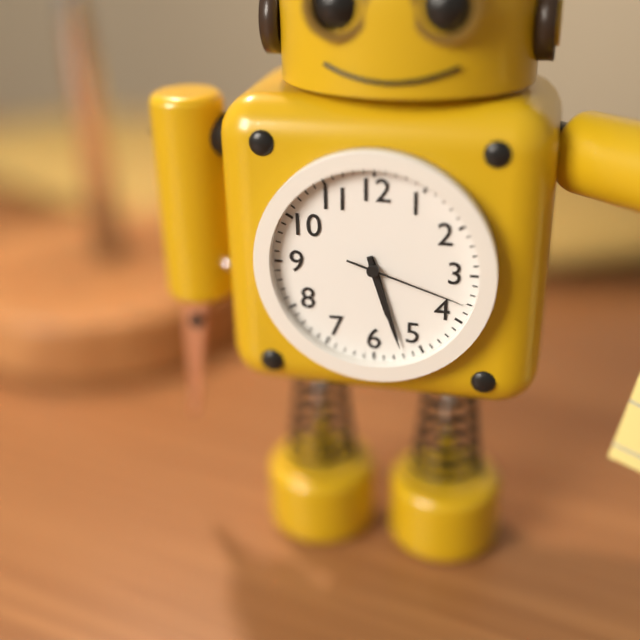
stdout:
{"hour": 5, "minute": 27, "second": 18}
